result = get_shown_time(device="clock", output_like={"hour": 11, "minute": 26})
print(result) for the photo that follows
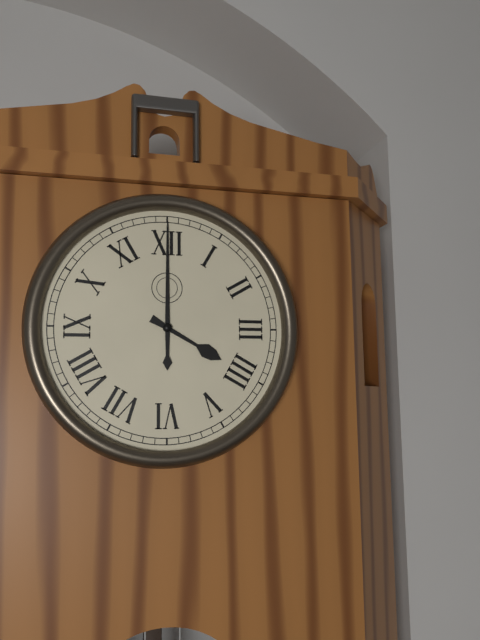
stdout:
{"hour": 4, "minute": 0}
